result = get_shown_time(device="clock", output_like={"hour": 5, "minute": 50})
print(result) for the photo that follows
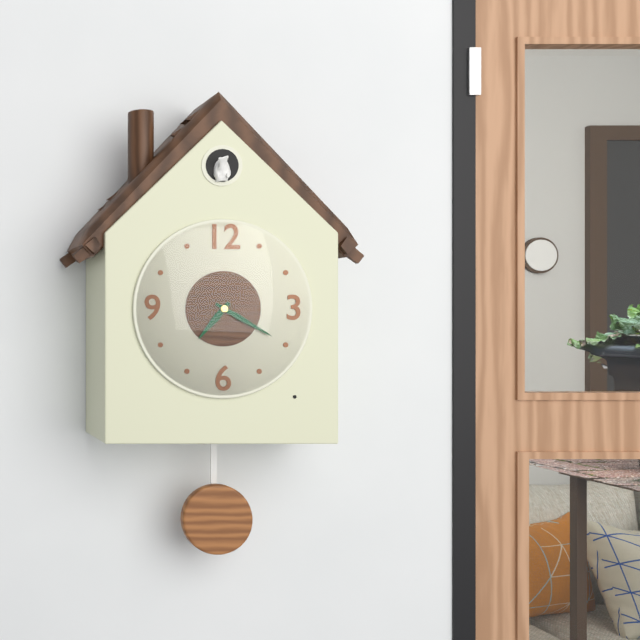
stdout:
{"hour": 7, "minute": 20}
